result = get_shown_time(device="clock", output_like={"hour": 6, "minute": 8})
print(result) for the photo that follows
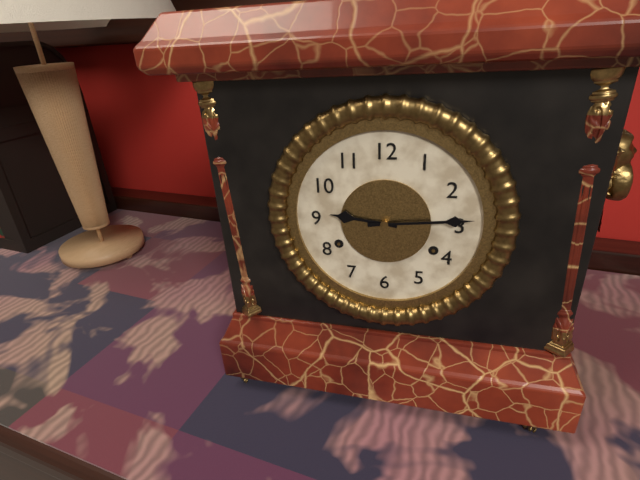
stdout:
{"hour": 9, "minute": 14}
